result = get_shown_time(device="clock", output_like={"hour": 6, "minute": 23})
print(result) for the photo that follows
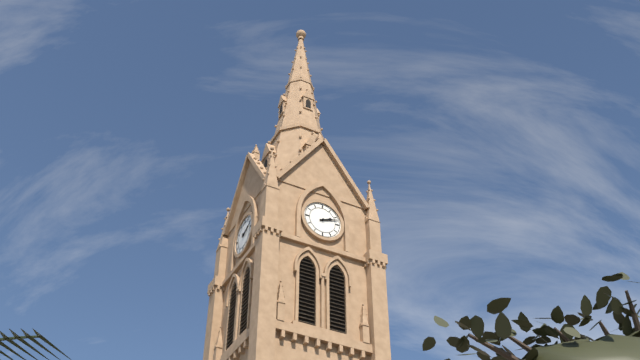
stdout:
{"hour": 2, "minute": 12}
